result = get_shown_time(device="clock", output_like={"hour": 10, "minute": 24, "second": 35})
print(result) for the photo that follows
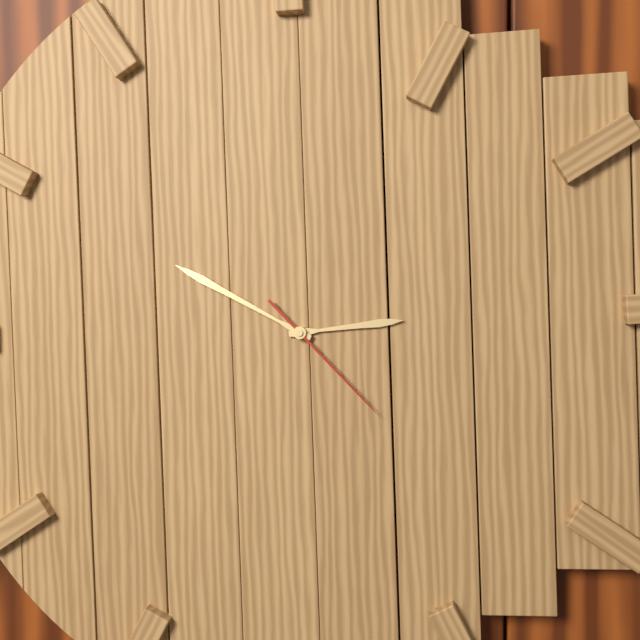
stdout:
{"hour": 2, "minute": 50, "second": 23}
